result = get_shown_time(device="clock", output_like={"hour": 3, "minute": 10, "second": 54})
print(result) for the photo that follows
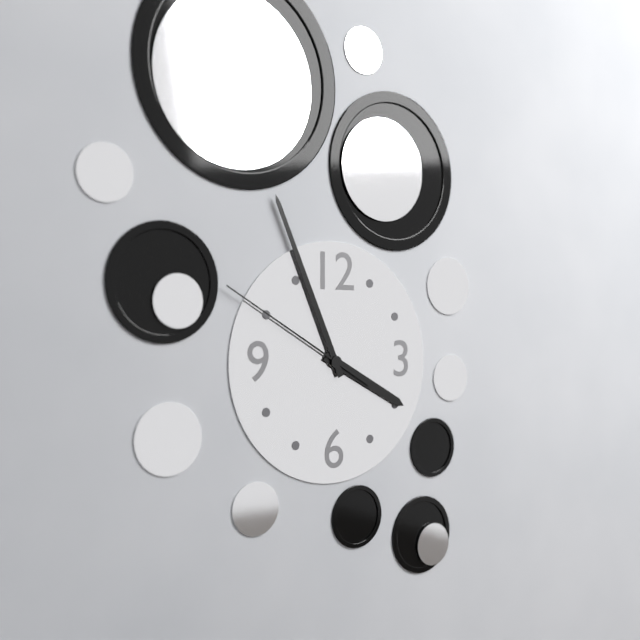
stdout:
{"hour": 3, "minute": 56, "second": 50}
